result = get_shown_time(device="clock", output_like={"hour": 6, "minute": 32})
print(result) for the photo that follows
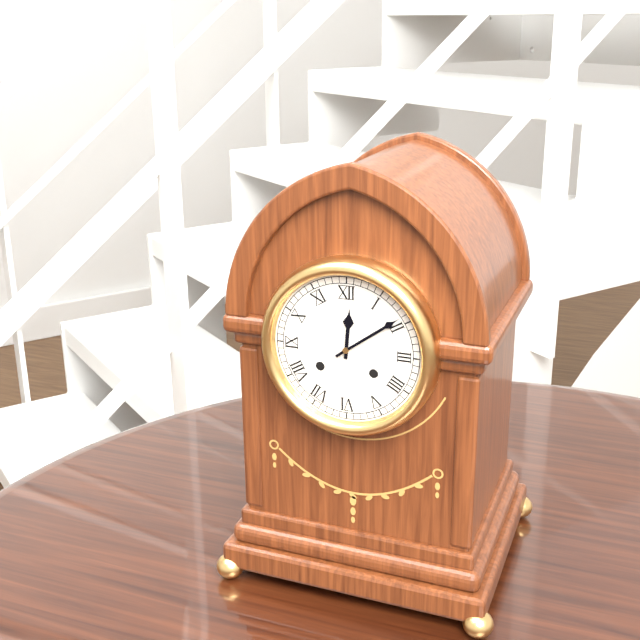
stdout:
{"hour": 12, "minute": 9}
